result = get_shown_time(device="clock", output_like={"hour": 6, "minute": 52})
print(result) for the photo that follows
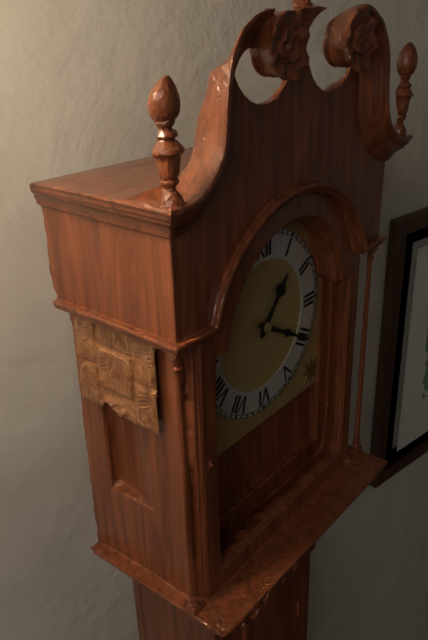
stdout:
{"hour": 1, "minute": 20}
